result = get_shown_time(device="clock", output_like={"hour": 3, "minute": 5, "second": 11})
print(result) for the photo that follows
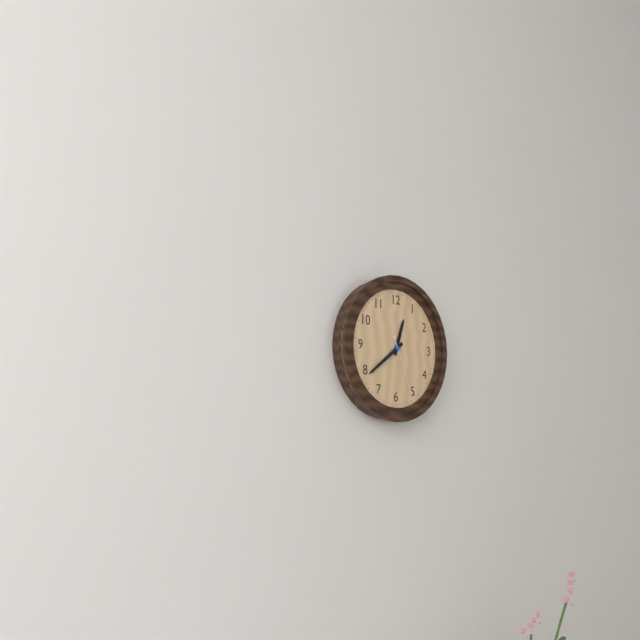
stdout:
{"hour": 12, "minute": 39, "second": 26}
